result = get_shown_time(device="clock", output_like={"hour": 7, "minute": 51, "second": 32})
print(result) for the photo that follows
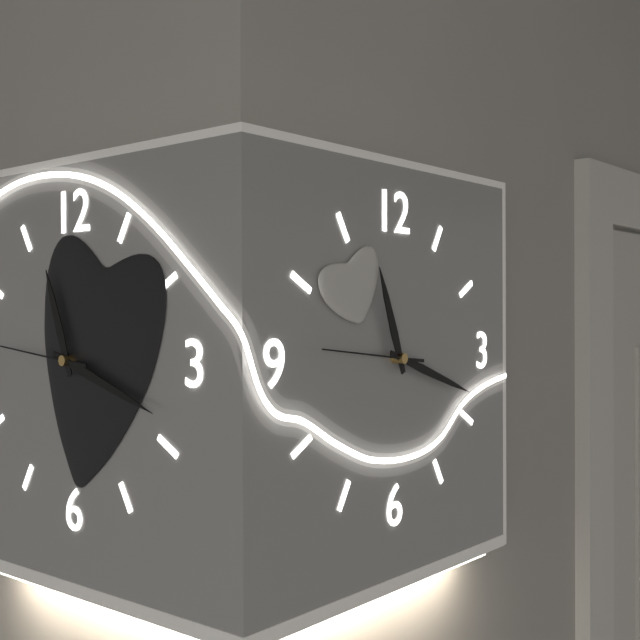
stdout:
{"hour": 11, "minute": 18, "second": 46}
